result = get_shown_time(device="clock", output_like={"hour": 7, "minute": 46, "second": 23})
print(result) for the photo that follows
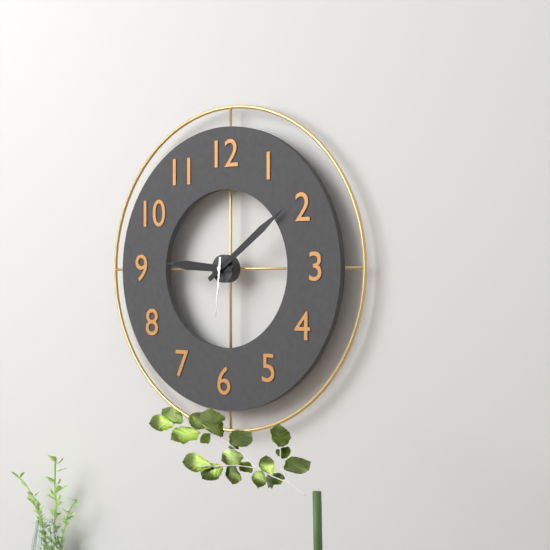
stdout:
{"hour": 9, "minute": 9, "second": 31}
